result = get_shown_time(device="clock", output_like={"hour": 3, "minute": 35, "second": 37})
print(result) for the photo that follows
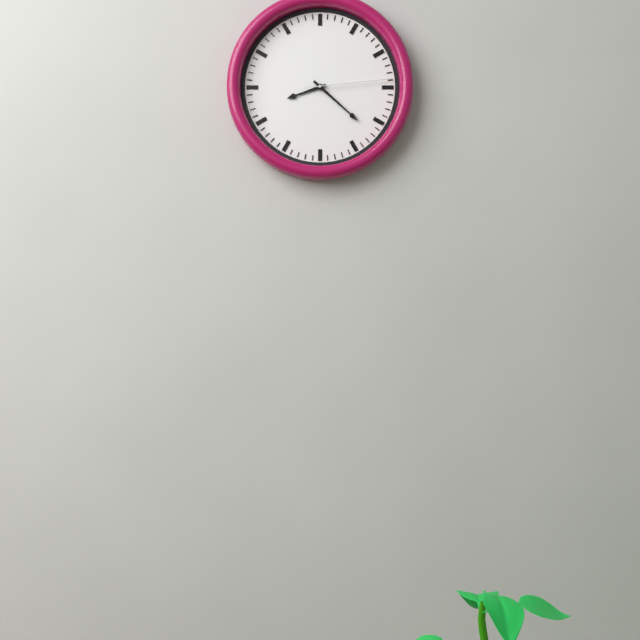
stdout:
{"hour": 8, "minute": 22, "second": 14}
